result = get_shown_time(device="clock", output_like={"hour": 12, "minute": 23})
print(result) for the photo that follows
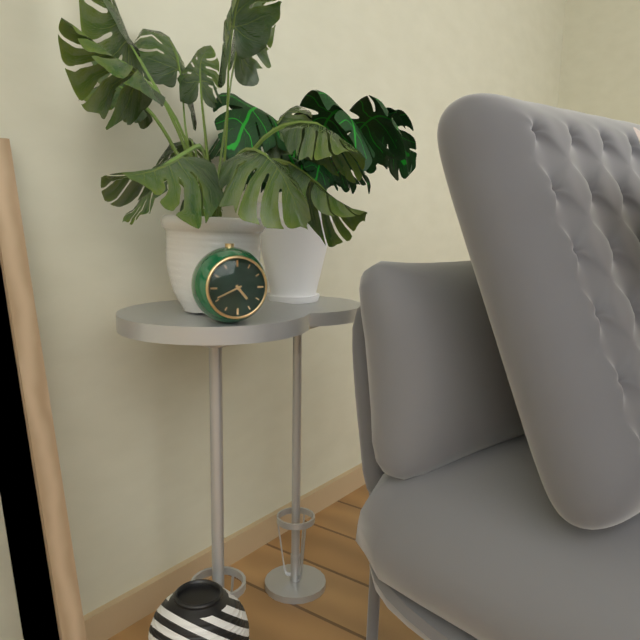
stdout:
{"hour": 4, "minute": 41}
